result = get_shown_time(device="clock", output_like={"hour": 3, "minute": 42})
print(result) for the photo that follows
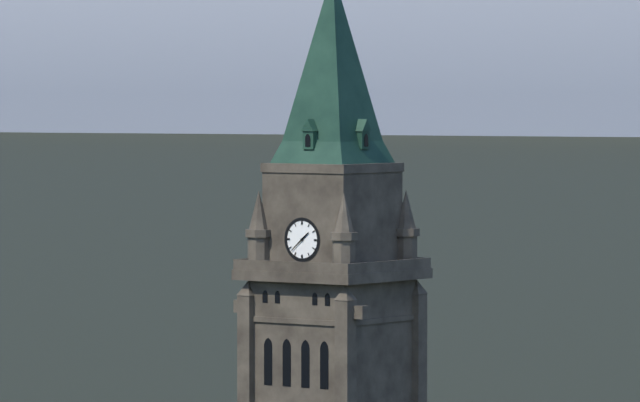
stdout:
{"hour": 1, "minute": 38}
